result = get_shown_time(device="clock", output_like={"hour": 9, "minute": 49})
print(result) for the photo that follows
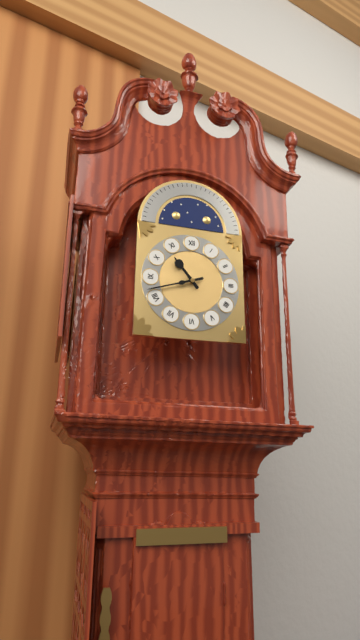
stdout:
{"hour": 10, "minute": 42}
